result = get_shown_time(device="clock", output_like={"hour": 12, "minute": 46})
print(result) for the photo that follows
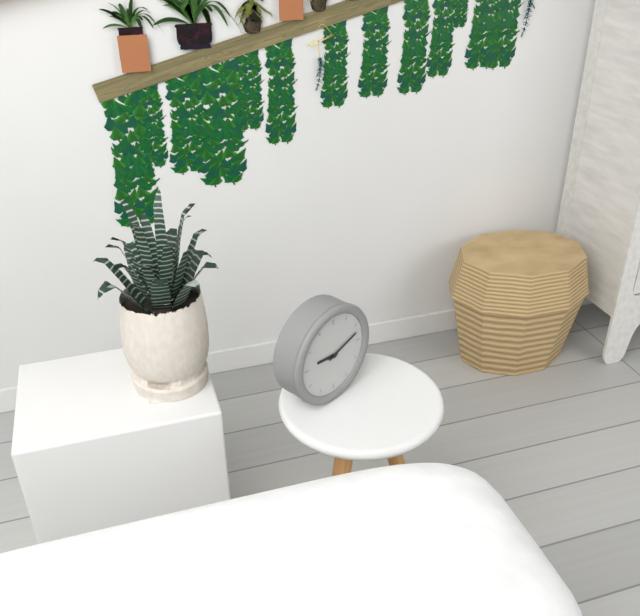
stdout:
{"hour": 9, "minute": 12}
